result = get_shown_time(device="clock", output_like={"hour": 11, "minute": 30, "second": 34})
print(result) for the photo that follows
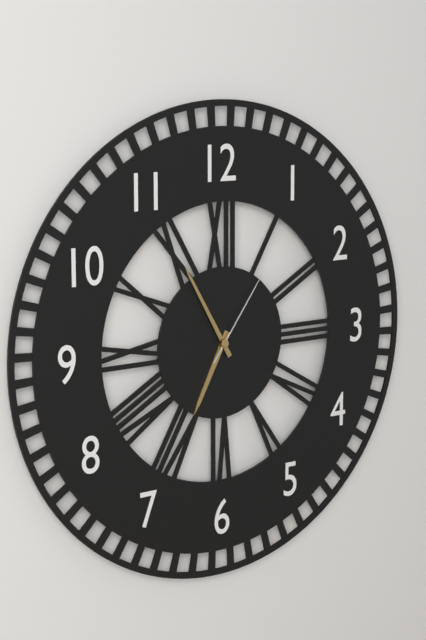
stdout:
{"hour": 6, "minute": 55, "second": 6}
